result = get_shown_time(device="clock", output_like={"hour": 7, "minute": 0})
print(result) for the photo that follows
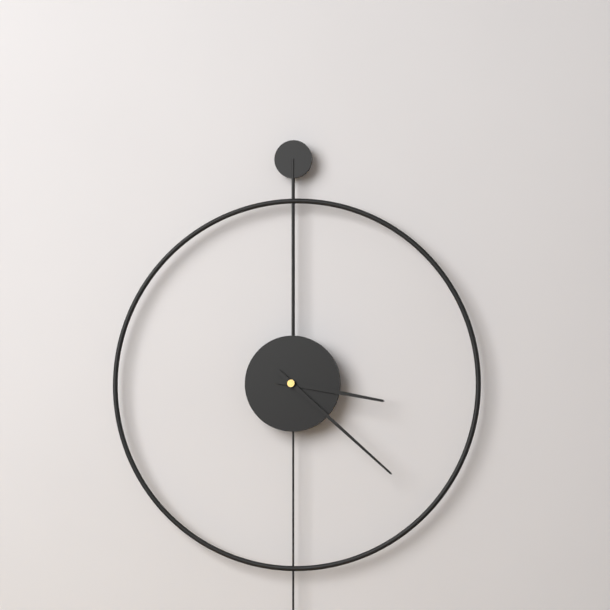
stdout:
{"hour": 3, "minute": 22}
